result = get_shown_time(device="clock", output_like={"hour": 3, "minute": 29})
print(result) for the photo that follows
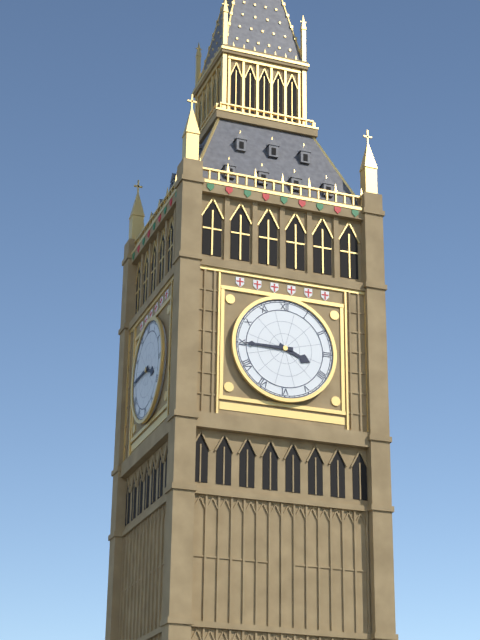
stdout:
{"hour": 3, "minute": 45}
